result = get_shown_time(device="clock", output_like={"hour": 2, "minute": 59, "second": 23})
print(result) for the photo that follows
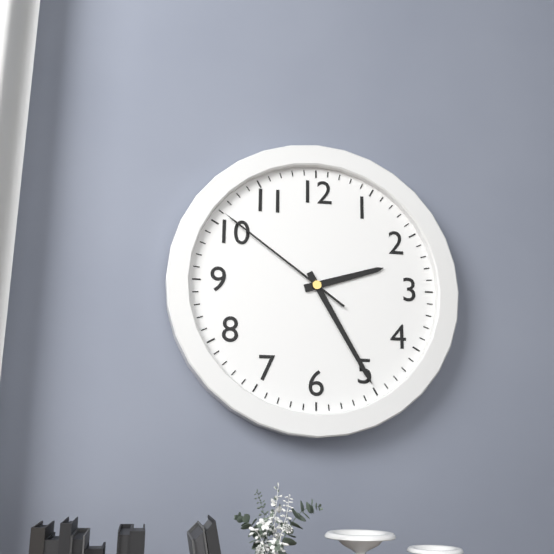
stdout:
{"hour": 2, "minute": 25, "second": 51}
